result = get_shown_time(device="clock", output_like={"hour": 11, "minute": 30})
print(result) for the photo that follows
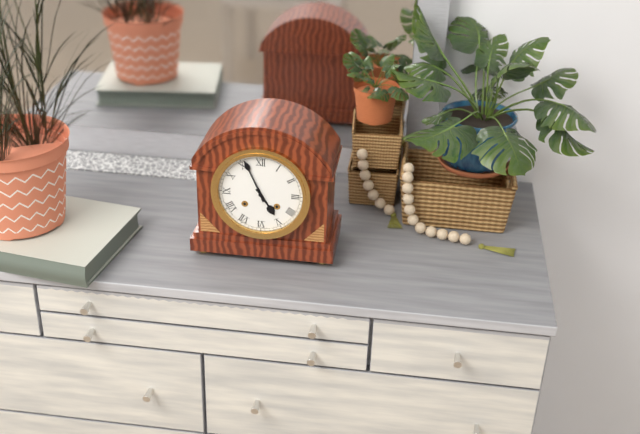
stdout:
{"hour": 4, "minute": 56}
